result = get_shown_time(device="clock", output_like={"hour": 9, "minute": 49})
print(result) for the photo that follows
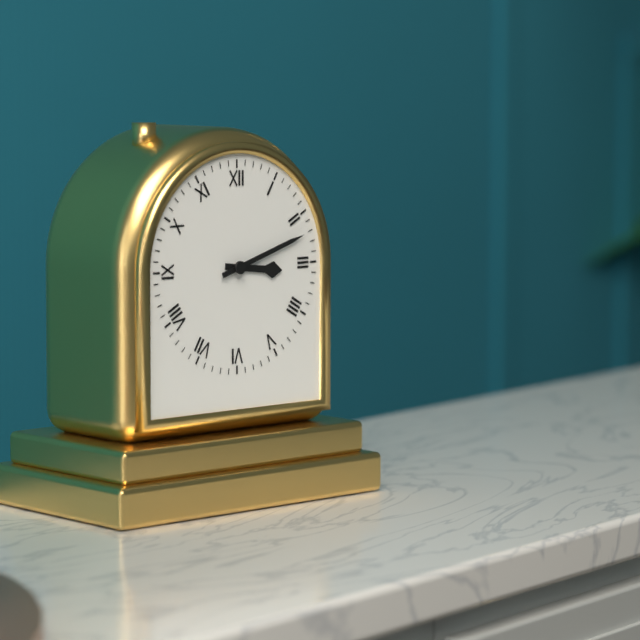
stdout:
{"hour": 3, "minute": 12}
